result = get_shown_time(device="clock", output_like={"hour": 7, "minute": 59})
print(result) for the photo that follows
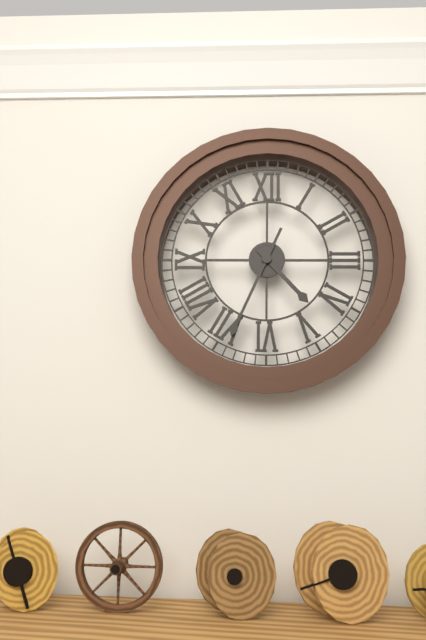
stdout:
{"hour": 4, "minute": 34}
